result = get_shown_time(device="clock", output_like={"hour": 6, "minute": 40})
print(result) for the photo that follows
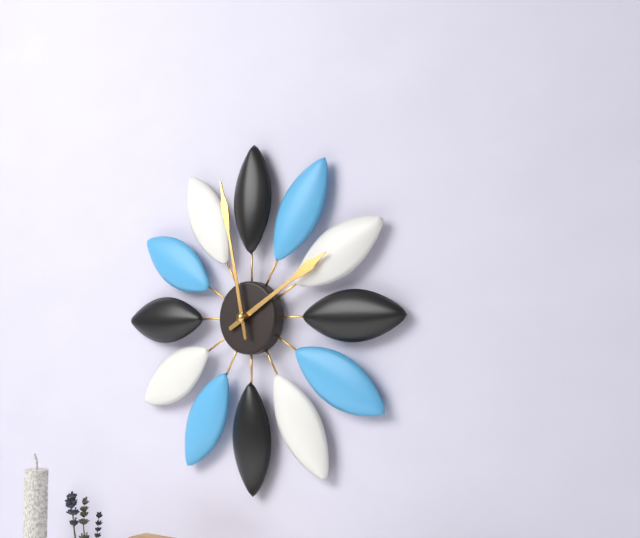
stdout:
{"hour": 1, "minute": 58}
